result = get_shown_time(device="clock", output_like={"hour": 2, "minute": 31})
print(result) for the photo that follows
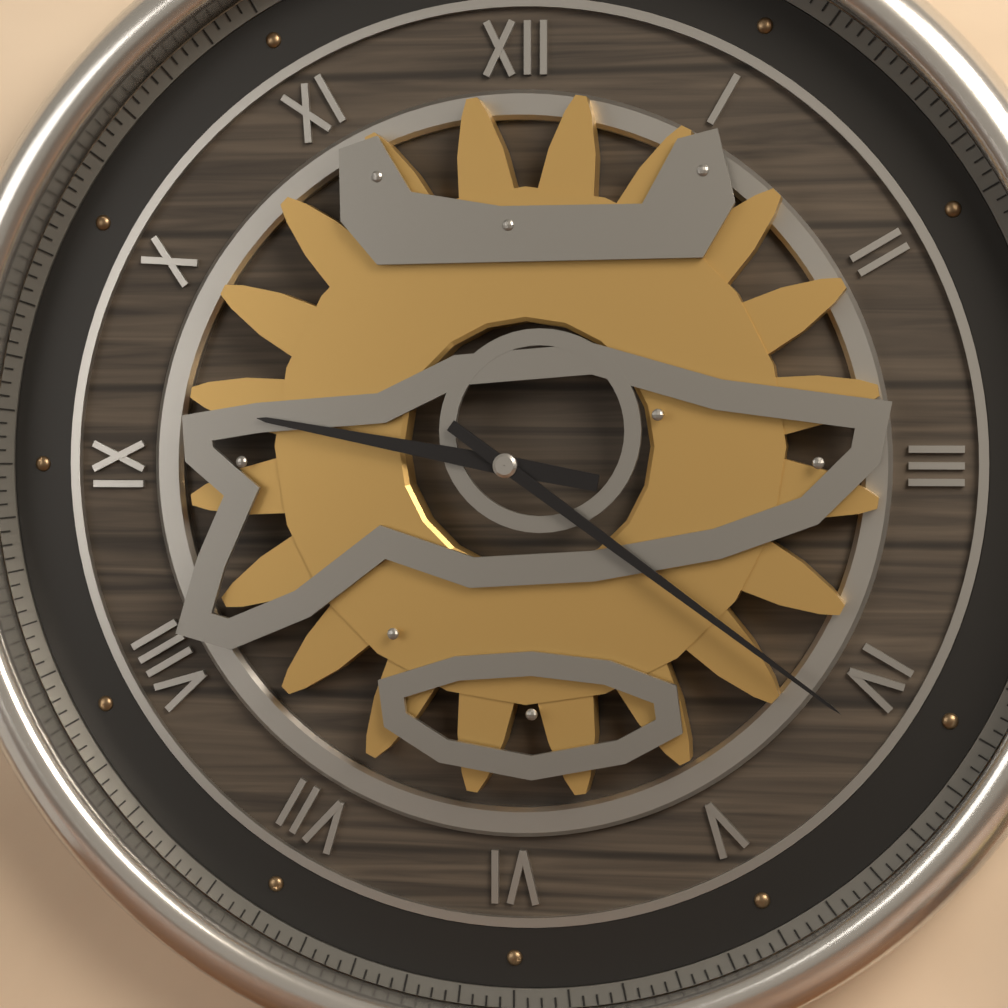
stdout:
{"hour": 9, "minute": 21}
